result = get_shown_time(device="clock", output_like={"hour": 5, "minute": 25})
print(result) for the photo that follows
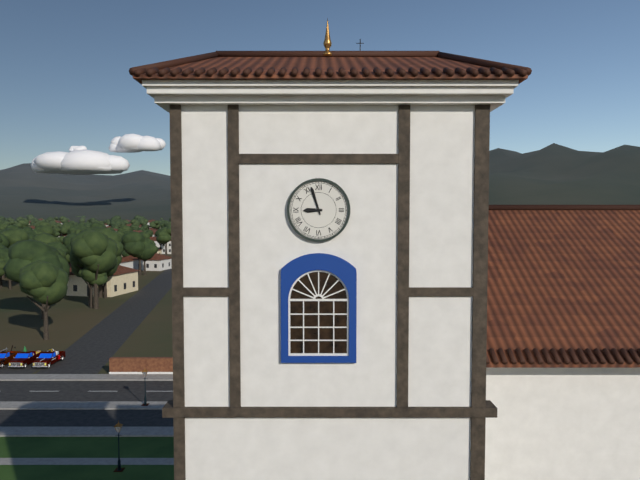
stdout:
{"hour": 8, "minute": 57}
